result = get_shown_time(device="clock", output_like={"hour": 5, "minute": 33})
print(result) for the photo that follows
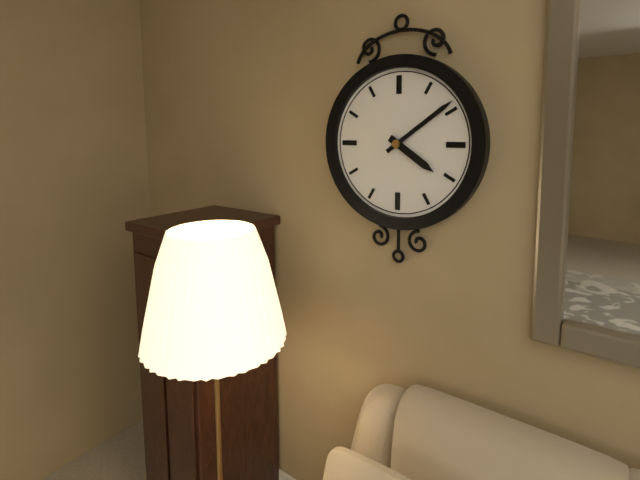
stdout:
{"hour": 4, "minute": 9}
